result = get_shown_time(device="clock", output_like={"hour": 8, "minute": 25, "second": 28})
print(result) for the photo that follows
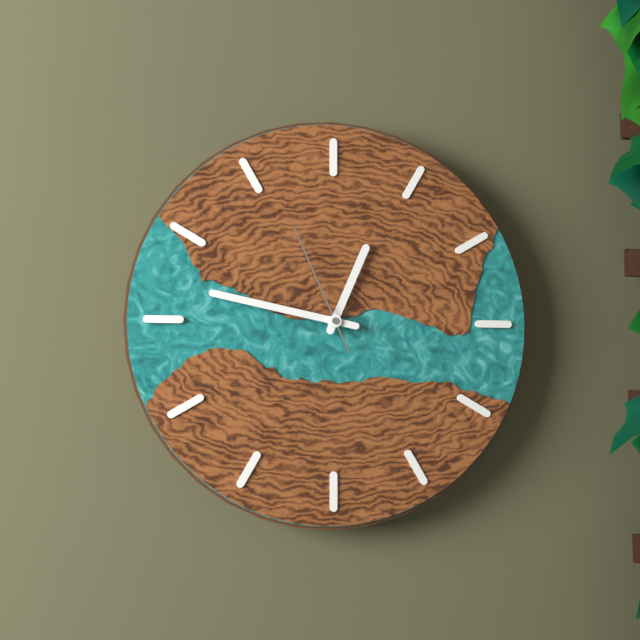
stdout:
{"hour": 12, "minute": 47, "second": 56}
